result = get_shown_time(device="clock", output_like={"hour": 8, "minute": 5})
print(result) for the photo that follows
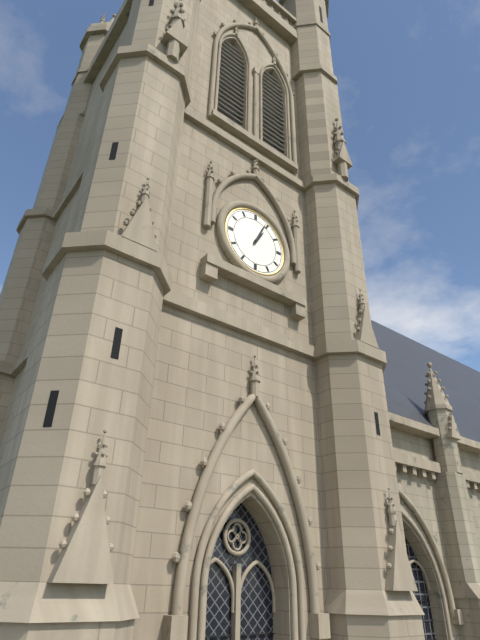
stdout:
{"hour": 1, "minute": 4}
